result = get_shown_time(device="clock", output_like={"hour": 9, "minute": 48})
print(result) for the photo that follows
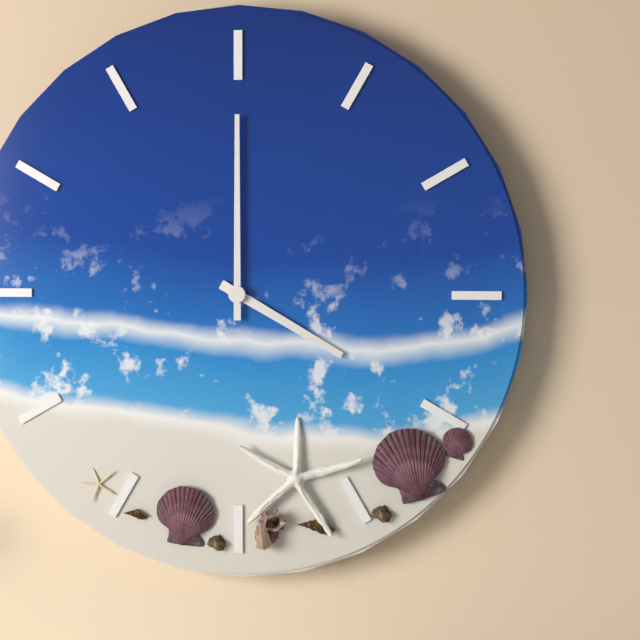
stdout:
{"hour": 4, "minute": 0}
